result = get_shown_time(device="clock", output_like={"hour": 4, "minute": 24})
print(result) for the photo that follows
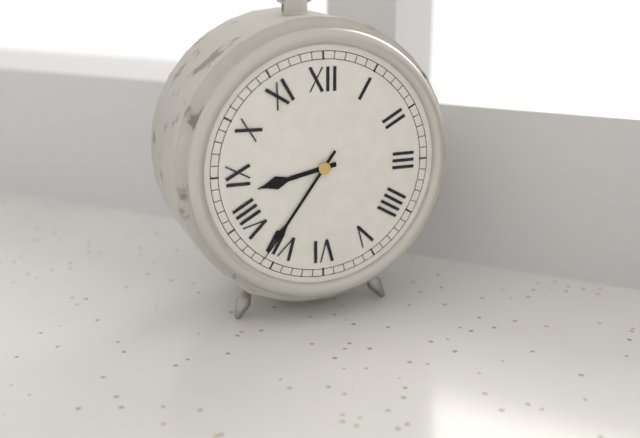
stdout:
{"hour": 8, "minute": 36}
